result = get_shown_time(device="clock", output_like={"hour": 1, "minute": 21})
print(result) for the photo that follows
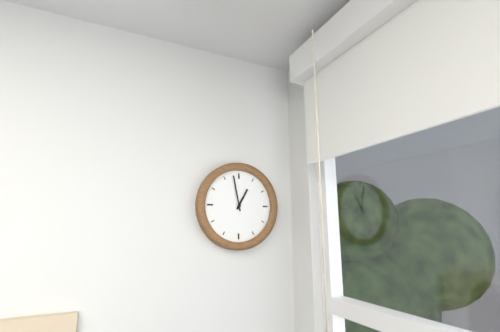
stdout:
{"hour": 12, "minute": 58}
